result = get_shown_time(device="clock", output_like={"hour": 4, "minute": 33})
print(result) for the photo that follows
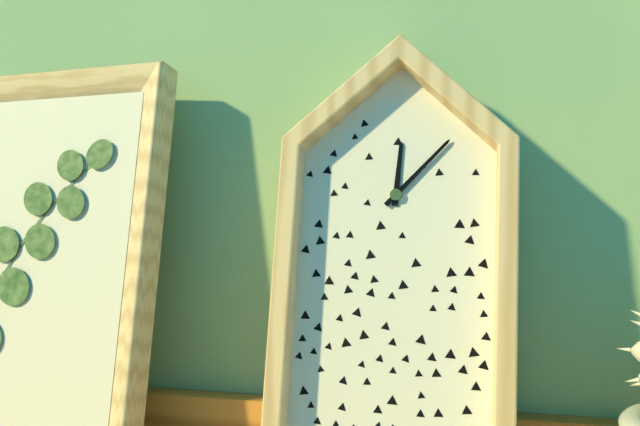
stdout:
{"hour": 12, "minute": 7}
